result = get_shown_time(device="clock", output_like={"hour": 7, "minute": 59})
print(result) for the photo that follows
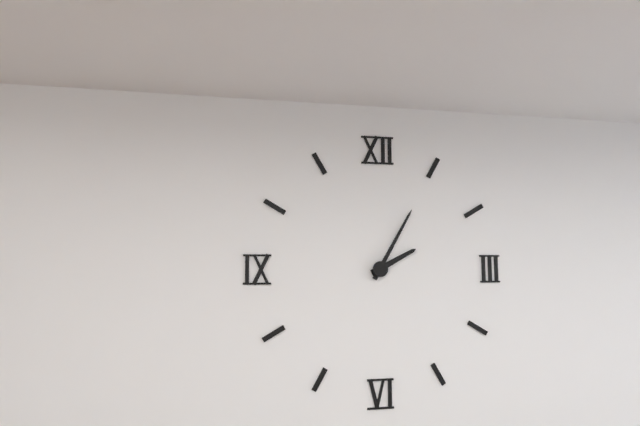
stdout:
{"hour": 2, "minute": 5}
